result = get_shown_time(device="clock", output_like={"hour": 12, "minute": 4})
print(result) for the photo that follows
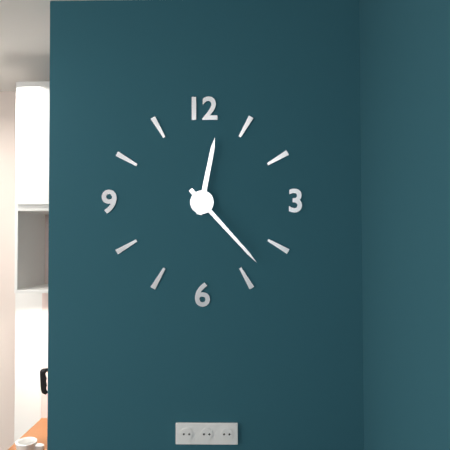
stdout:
{"hour": 12, "minute": 23}
